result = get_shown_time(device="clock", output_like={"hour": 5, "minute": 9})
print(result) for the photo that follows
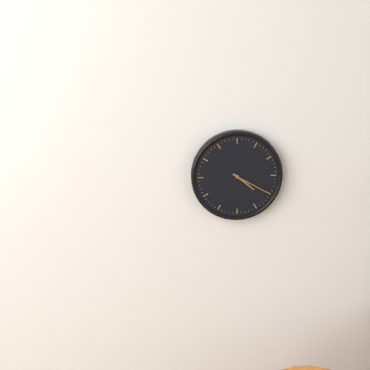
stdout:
{"hour": 4, "minute": 20}
